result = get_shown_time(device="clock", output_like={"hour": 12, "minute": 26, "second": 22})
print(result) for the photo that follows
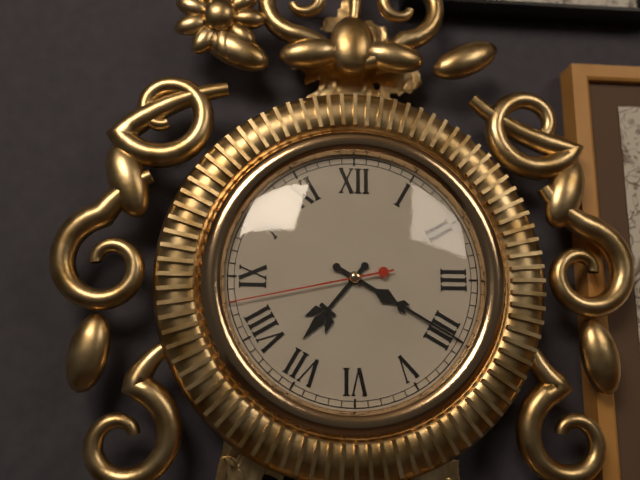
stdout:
{"hour": 7, "minute": 20, "second": 43}
